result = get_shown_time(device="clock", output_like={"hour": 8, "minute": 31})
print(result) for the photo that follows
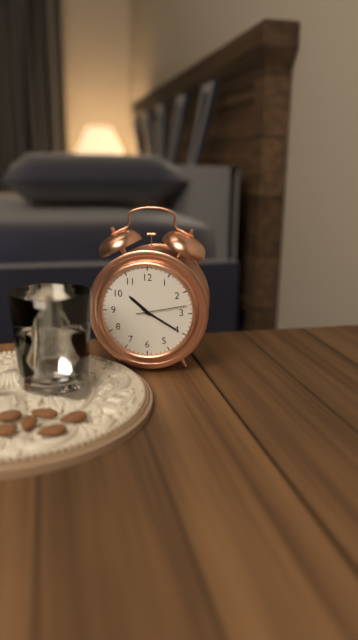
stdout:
{"hour": 10, "minute": 20}
